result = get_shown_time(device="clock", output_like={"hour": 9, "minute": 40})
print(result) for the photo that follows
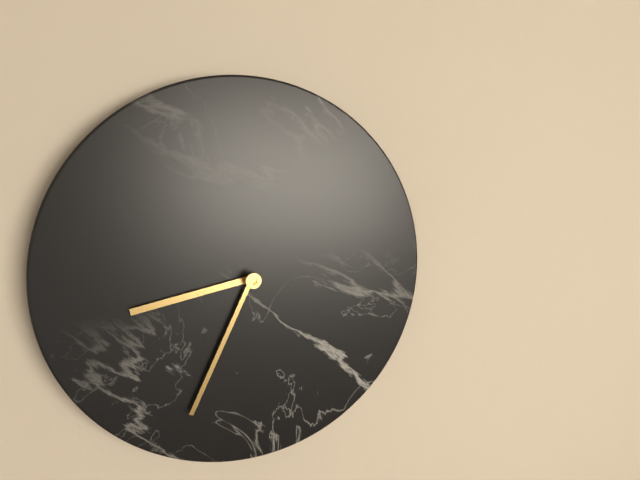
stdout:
{"hour": 8, "minute": 34}
